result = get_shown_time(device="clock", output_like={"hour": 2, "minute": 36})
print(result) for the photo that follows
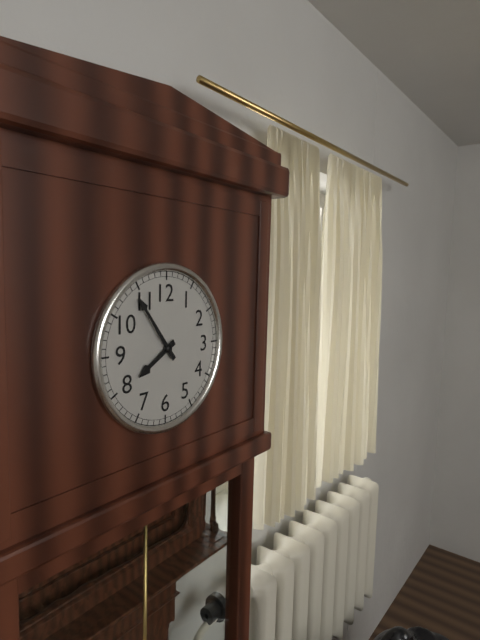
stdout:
{"hour": 7, "minute": 54}
